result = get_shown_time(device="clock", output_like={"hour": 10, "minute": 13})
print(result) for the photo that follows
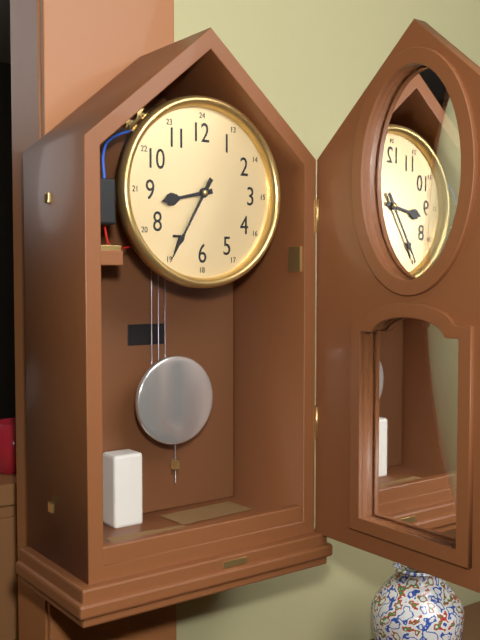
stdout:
{"hour": 8, "minute": 35}
